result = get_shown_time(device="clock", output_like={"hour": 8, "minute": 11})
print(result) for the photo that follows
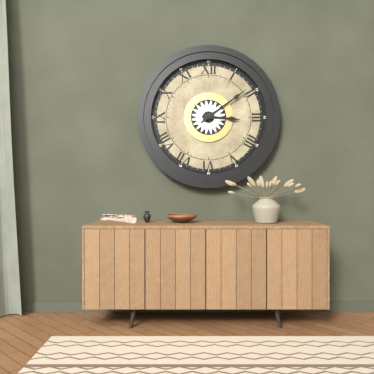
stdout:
{"hour": 3, "minute": 9}
